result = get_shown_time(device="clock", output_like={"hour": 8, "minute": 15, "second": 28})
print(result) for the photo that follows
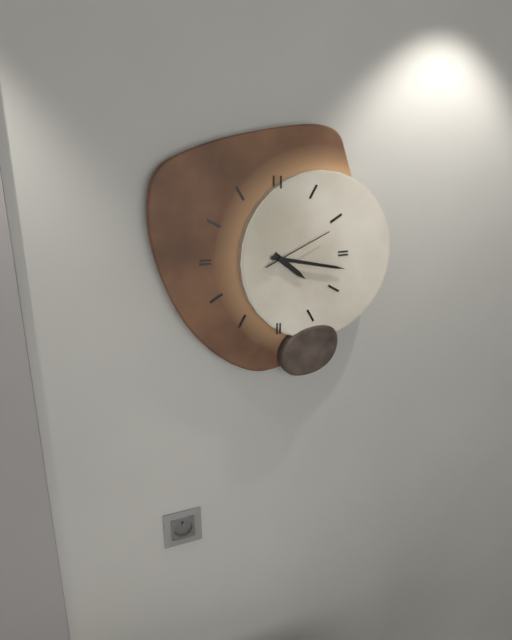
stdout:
{"hour": 4, "minute": 17, "second": 11}
